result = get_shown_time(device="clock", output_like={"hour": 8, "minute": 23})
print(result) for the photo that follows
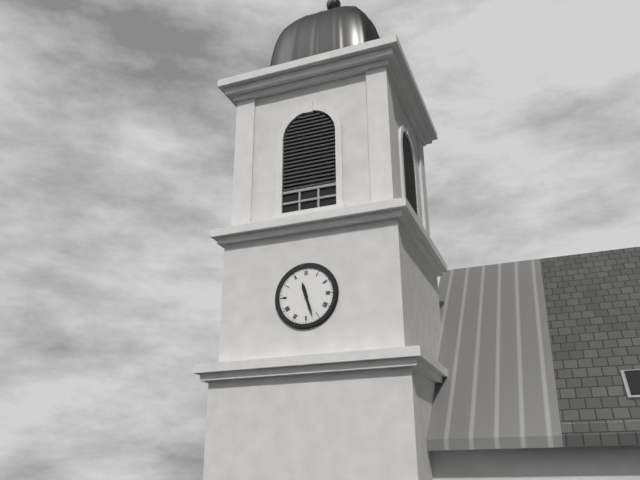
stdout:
{"hour": 11, "minute": 27}
